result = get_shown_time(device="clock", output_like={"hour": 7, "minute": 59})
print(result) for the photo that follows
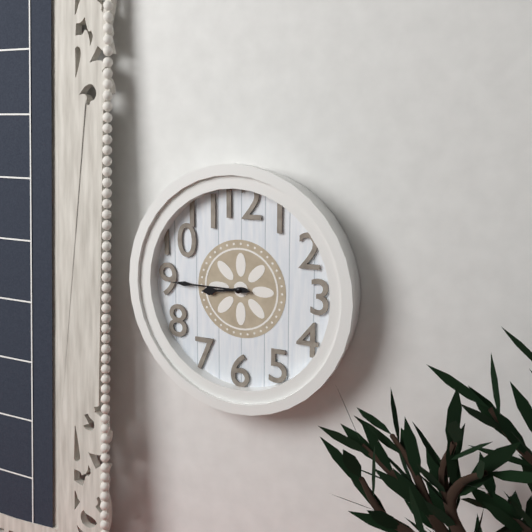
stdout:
{"hour": 8, "minute": 45}
